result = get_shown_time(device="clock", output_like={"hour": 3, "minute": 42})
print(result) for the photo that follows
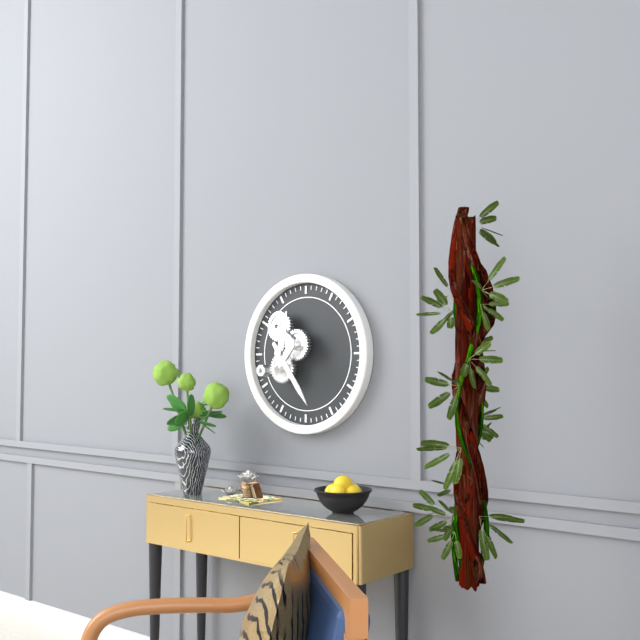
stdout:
{"hour": 12, "minute": 24}
